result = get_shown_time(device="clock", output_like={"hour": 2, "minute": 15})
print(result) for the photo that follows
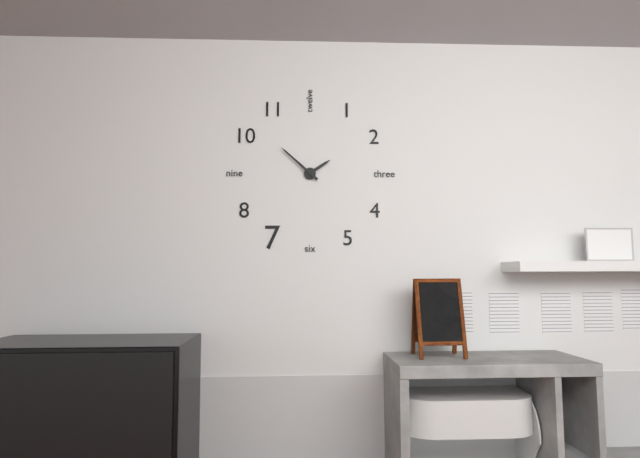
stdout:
{"hour": 1, "minute": 52}
